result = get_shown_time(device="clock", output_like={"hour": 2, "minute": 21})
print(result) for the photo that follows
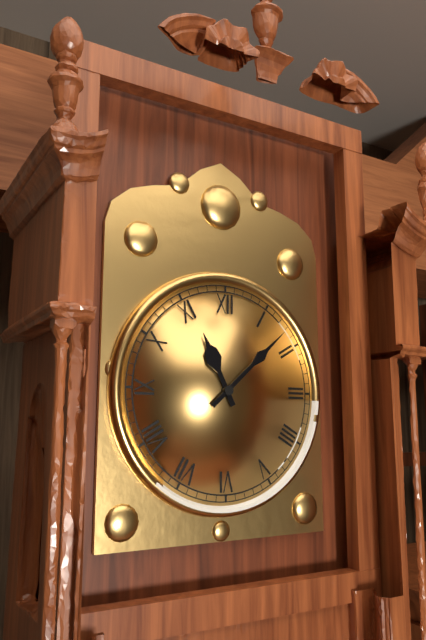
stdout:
{"hour": 11, "minute": 8}
